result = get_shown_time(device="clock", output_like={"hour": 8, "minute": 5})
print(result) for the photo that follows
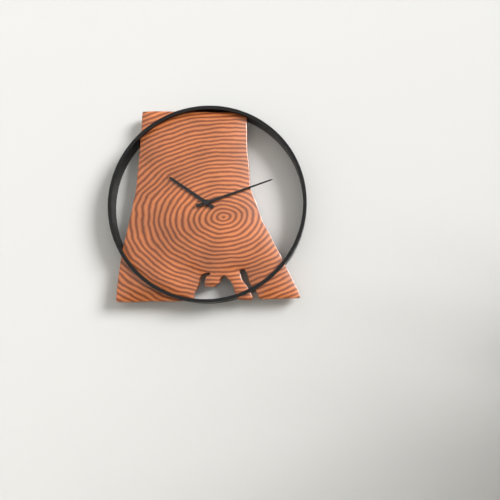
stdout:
{"hour": 10, "minute": 12}
